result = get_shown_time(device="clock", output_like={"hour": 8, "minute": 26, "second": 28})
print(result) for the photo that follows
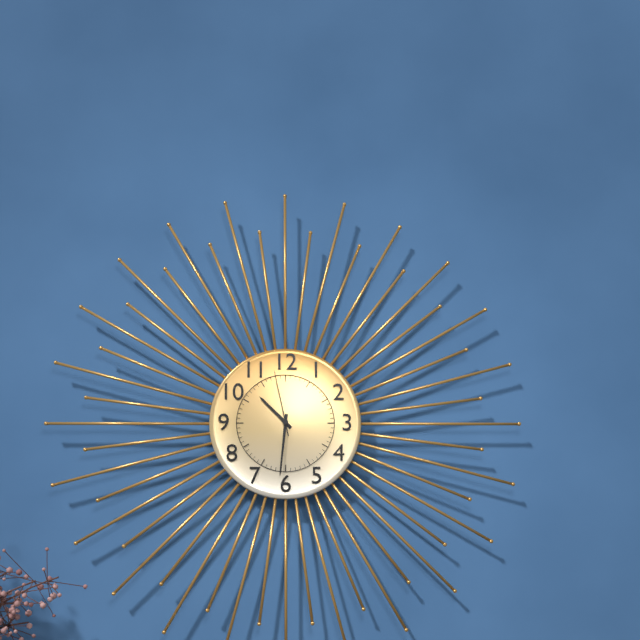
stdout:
{"hour": 10, "minute": 31, "second": 58}
